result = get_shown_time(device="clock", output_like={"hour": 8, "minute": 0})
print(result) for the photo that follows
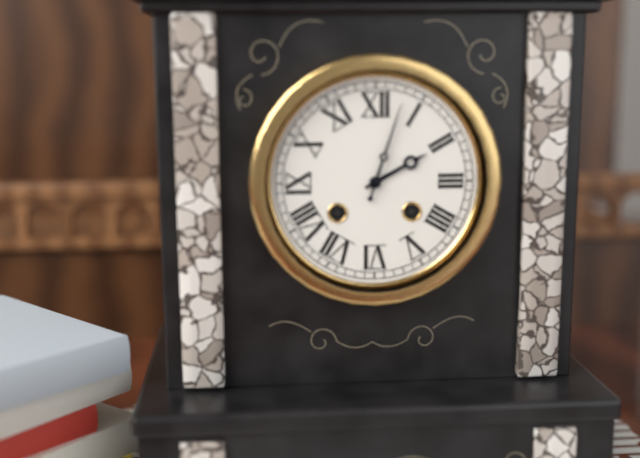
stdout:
{"hour": 2, "minute": 3}
